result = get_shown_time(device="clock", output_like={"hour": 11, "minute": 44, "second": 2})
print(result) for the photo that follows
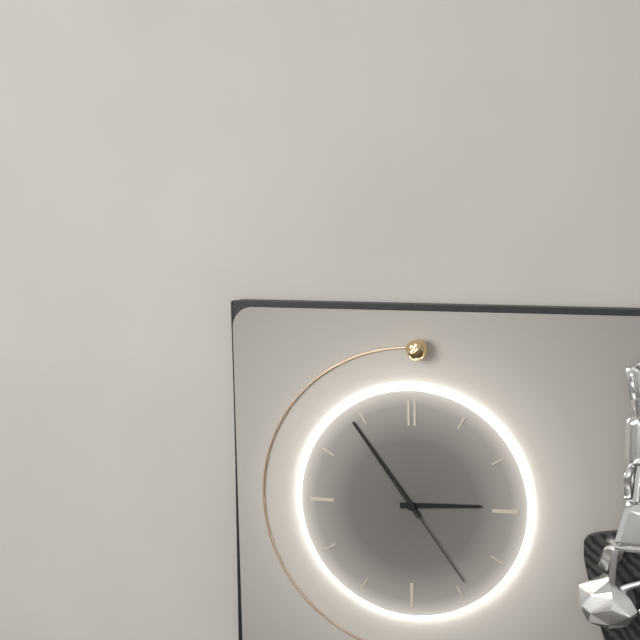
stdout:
{"hour": 2, "minute": 54, "second": 24}
